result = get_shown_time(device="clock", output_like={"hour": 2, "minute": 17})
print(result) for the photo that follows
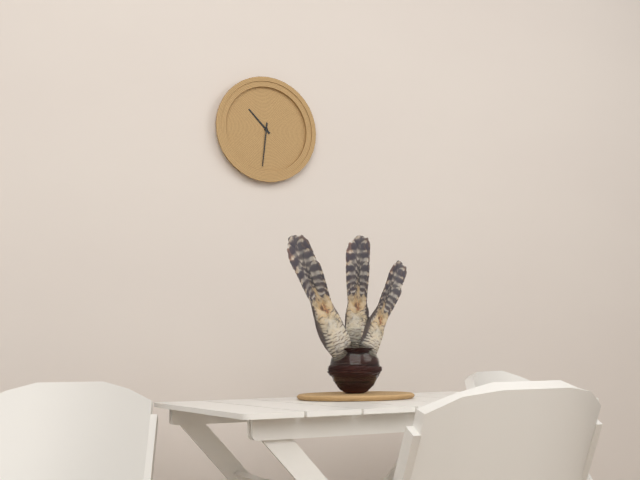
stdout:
{"hour": 10, "minute": 31}
